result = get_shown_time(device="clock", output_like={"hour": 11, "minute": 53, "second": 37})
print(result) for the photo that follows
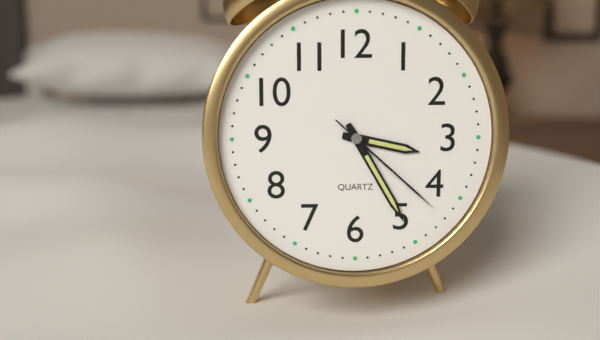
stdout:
{"hour": 3, "minute": 25, "second": 22}
